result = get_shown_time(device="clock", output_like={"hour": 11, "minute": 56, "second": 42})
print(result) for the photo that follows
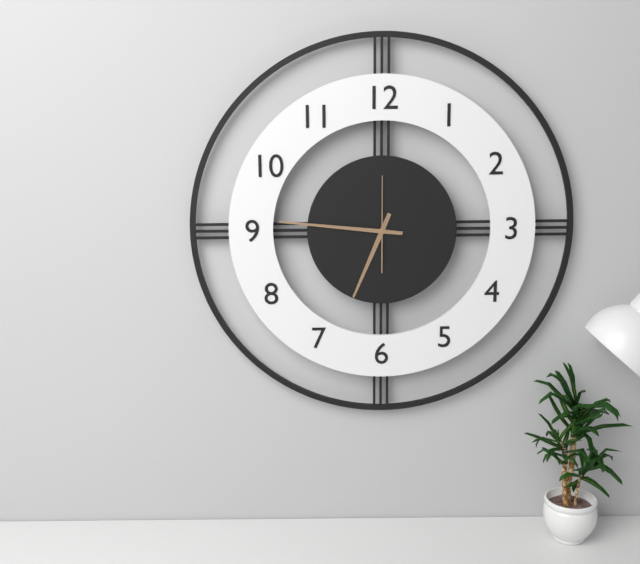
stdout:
{"hour": 6, "minute": 46, "second": 0}
